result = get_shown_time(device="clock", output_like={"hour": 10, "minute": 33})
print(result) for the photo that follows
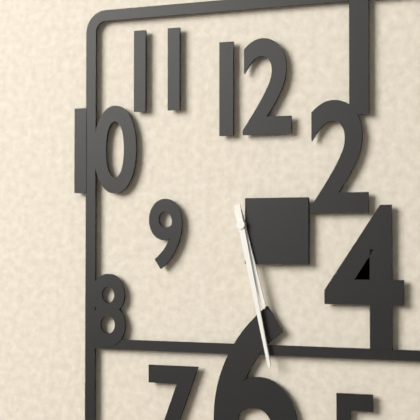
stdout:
{"hour": 5, "minute": 28}
